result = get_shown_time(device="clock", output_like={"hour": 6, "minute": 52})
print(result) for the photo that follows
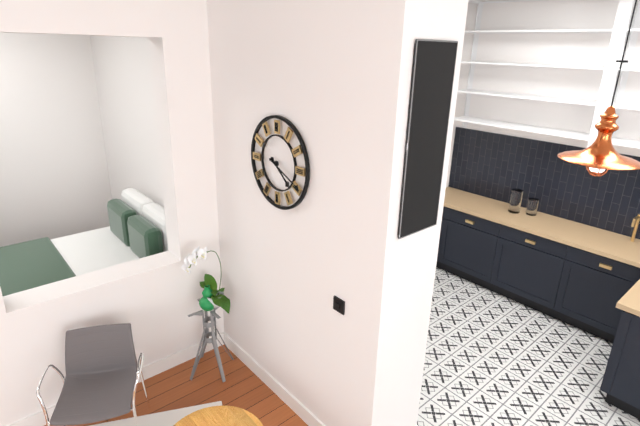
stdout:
{"hour": 4, "minute": 19}
